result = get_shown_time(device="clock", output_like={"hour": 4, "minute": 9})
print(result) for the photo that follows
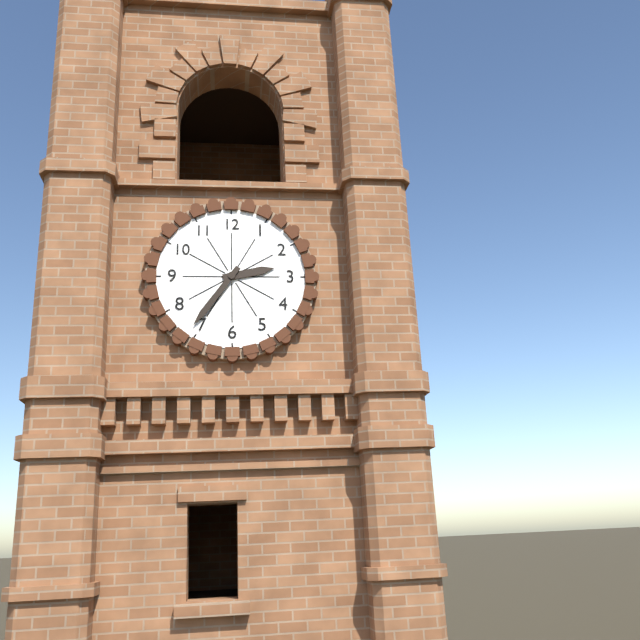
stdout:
{"hour": 2, "minute": 36}
